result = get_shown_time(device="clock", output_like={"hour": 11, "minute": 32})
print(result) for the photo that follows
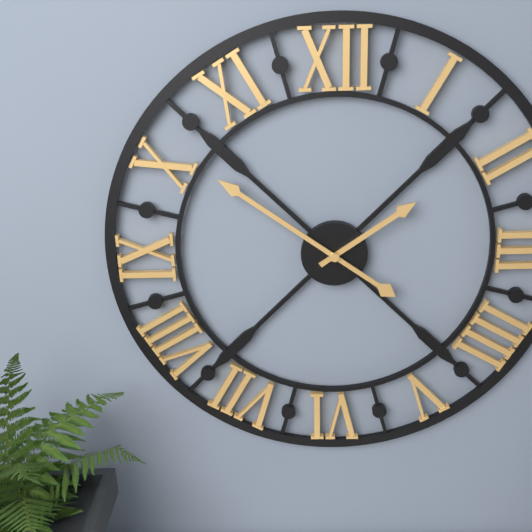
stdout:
{"hour": 1, "minute": 51}
